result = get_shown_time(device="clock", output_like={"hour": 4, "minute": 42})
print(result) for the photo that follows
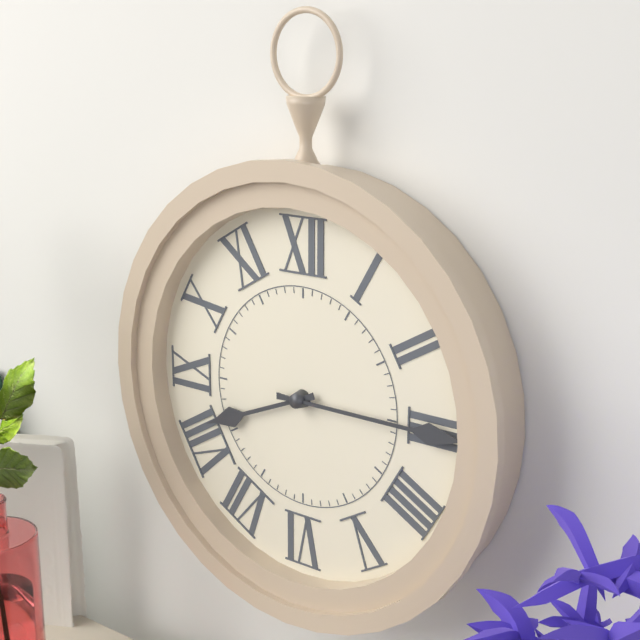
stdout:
{"hour": 8, "minute": 15}
